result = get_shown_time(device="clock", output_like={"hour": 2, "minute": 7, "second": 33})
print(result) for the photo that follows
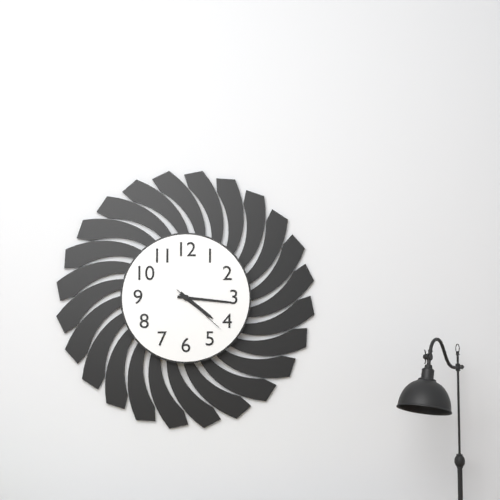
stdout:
{"hour": 4, "minute": 16, "second": 22}
